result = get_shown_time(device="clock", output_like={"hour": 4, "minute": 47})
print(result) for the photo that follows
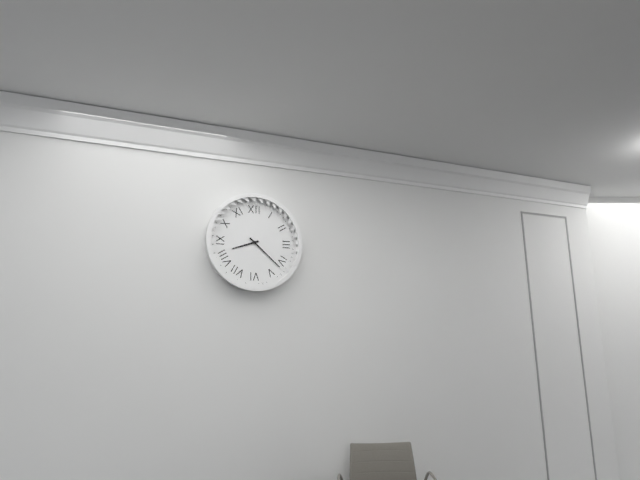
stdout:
{"hour": 8, "minute": 22}
